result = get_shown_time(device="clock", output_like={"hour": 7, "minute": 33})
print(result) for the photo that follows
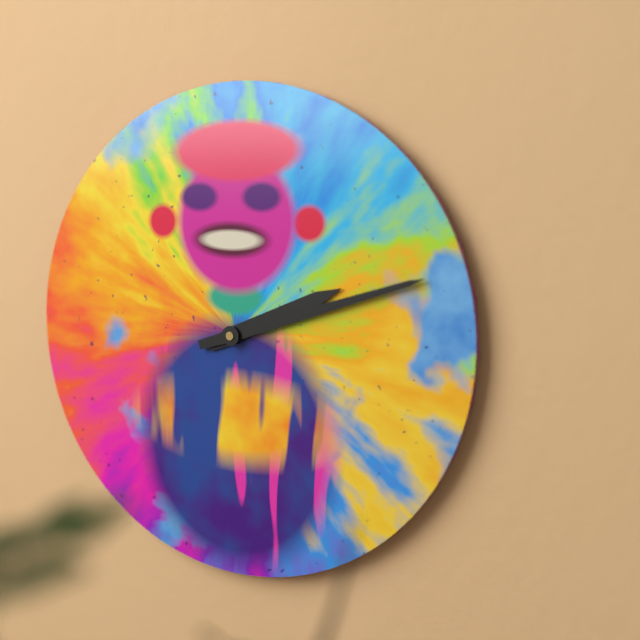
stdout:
{"hour": 2, "minute": 12}
